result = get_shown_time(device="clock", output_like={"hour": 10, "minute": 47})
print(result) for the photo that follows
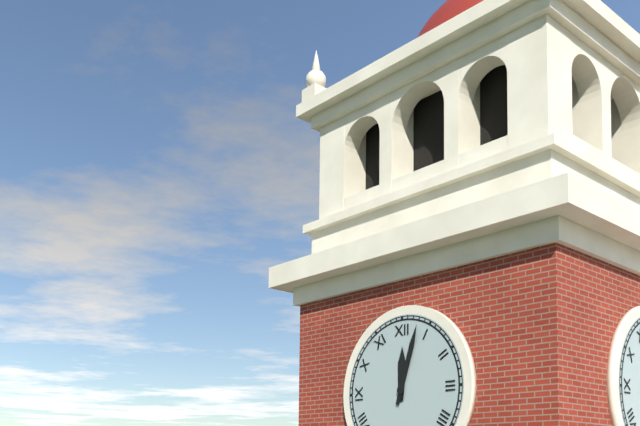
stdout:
{"hour": 12, "minute": 3}
